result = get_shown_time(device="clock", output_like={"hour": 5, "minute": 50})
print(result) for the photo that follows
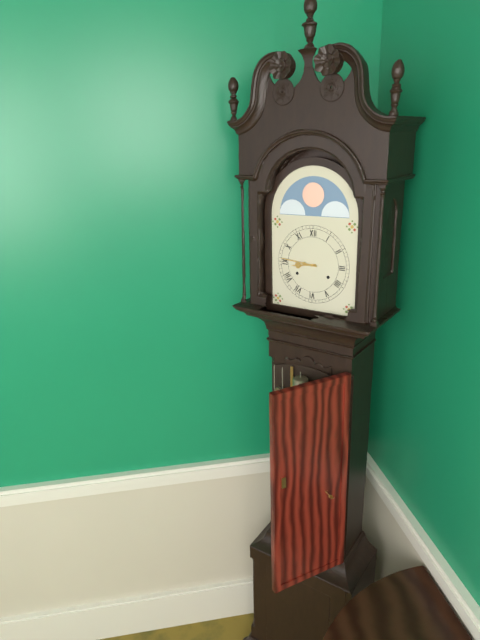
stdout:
{"hour": 8, "minute": 46}
